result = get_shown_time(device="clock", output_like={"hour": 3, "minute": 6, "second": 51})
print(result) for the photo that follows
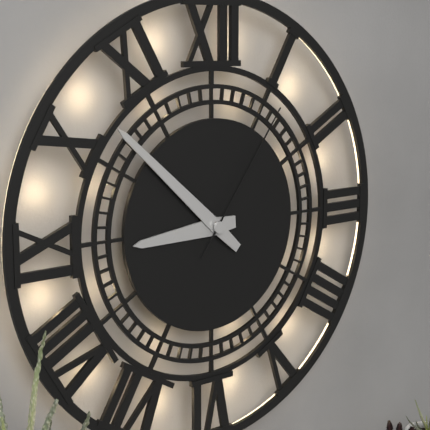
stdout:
{"hour": 8, "minute": 52, "second": 6}
